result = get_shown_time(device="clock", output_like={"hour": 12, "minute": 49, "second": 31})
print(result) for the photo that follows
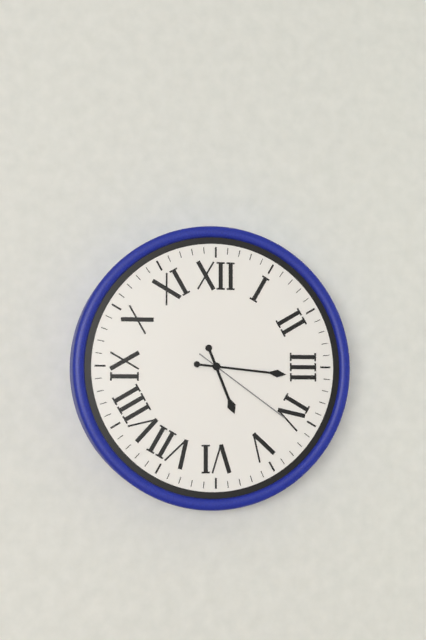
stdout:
{"hour": 5, "minute": 16, "second": 21}
